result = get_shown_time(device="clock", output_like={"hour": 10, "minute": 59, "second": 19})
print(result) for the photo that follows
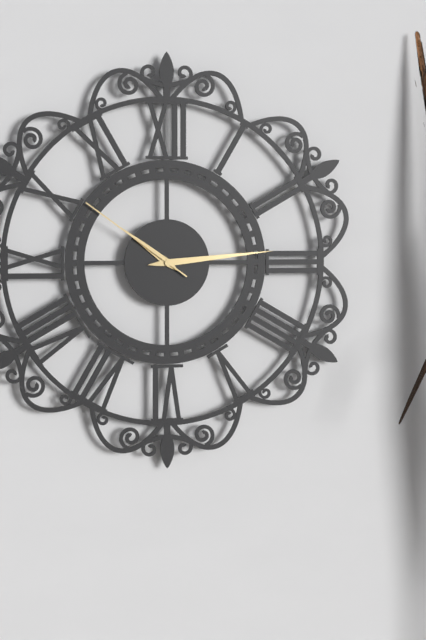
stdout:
{"hour": 10, "minute": 14, "second": 51}
